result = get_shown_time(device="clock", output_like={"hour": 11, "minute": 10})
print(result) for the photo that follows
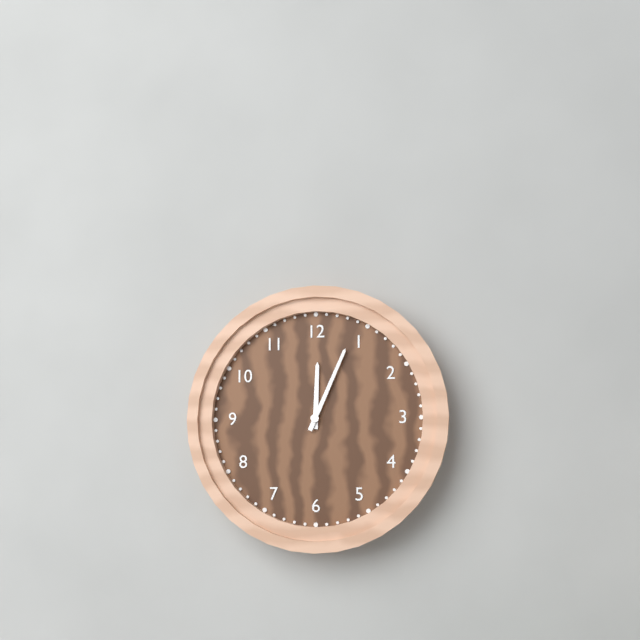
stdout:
{"hour": 12, "minute": 4}
